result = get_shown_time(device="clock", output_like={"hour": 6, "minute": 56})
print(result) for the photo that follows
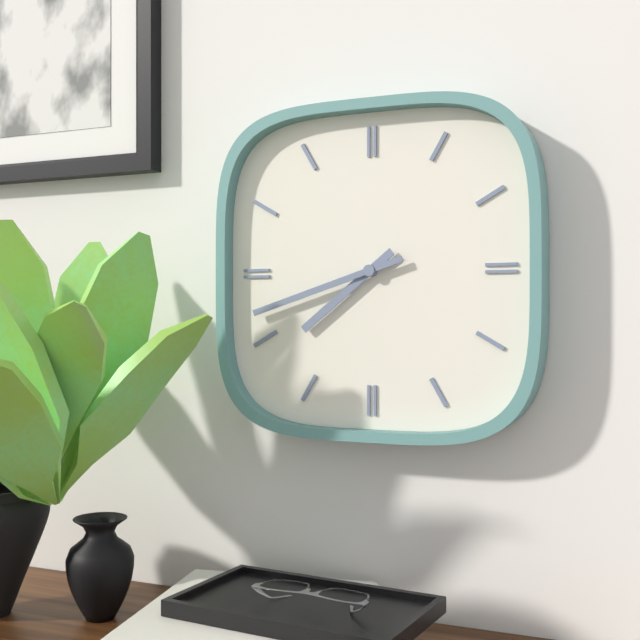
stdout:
{"hour": 7, "minute": 42}
